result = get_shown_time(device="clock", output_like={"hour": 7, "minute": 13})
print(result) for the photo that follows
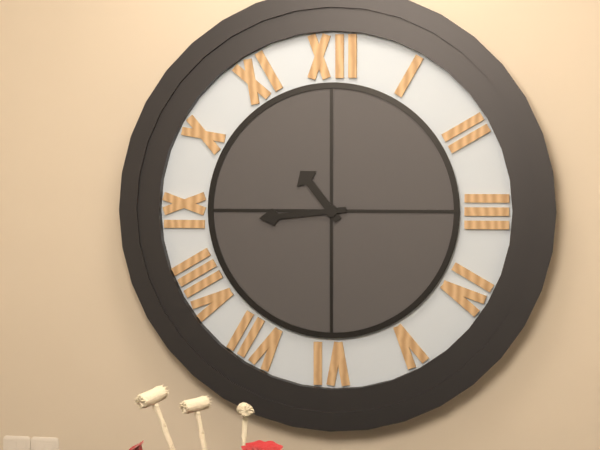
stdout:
{"hour": 10, "minute": 44}
